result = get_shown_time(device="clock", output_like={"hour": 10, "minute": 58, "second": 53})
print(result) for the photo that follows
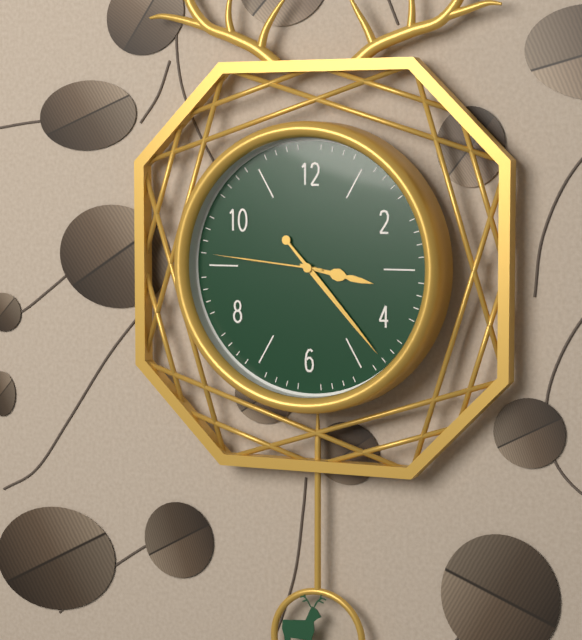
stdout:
{"hour": 3, "minute": 23, "second": 46}
